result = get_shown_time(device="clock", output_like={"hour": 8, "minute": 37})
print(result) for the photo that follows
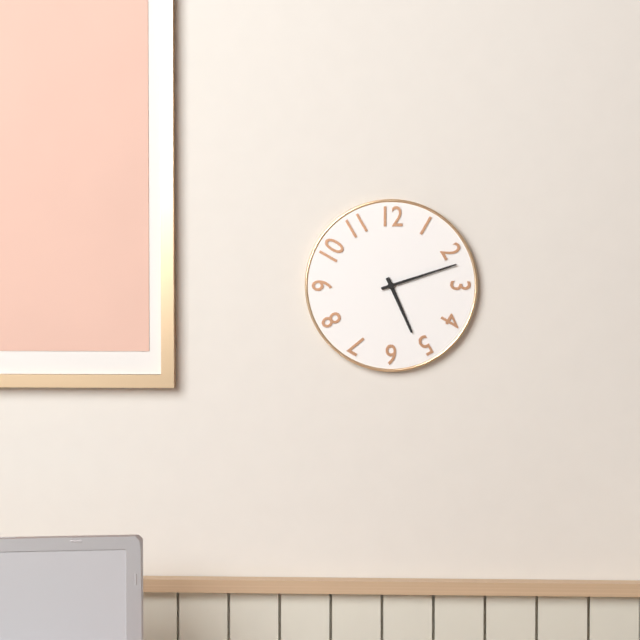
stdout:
{"hour": 5, "minute": 12}
